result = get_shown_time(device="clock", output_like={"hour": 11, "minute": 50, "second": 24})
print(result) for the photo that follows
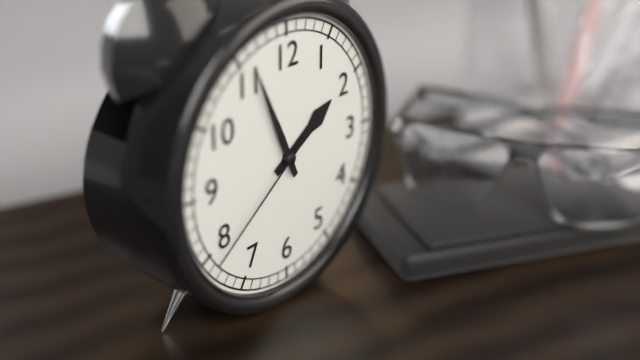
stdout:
{"hour": 1, "minute": 56, "second": 39}
